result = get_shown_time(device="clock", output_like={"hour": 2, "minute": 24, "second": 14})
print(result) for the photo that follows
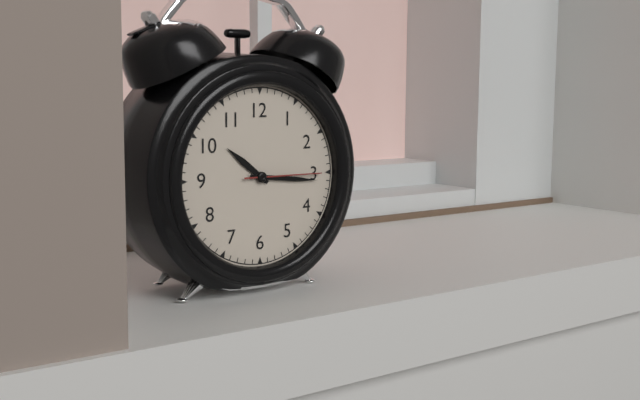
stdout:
{"hour": 10, "minute": 16, "second": 15}
